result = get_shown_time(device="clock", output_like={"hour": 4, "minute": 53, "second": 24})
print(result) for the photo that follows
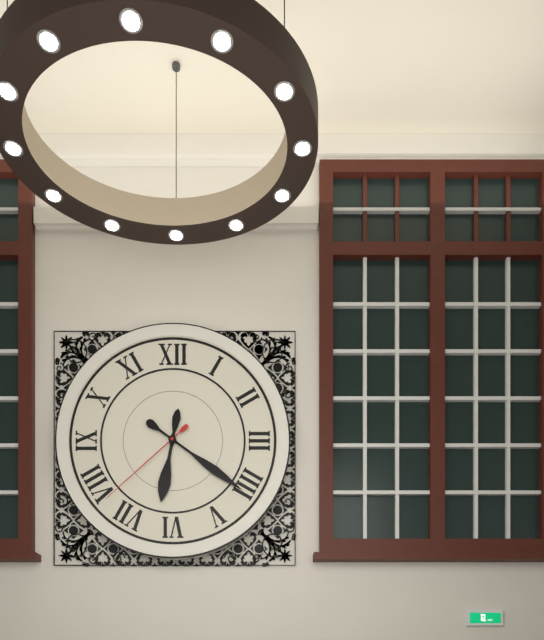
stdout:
{"hour": 6, "minute": 21, "second": 38}
